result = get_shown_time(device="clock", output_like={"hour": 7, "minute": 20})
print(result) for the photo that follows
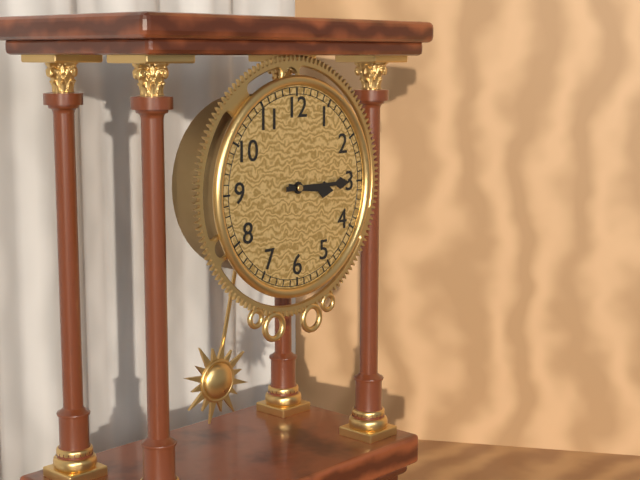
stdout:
{"hour": 3, "minute": 15}
